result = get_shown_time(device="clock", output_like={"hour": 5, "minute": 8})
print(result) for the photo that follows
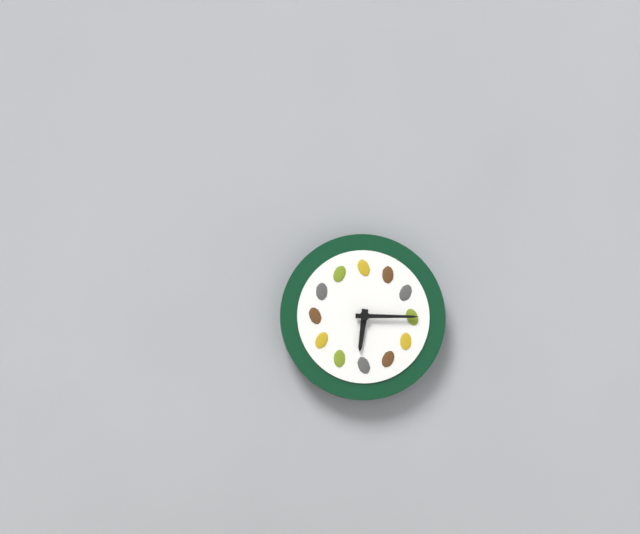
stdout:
{"hour": 6, "minute": 15}
